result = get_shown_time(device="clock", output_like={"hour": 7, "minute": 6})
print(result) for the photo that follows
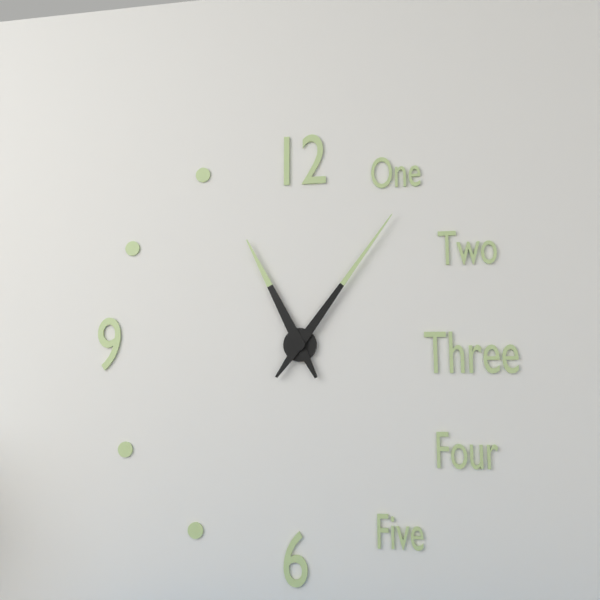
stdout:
{"hour": 11, "minute": 6}
